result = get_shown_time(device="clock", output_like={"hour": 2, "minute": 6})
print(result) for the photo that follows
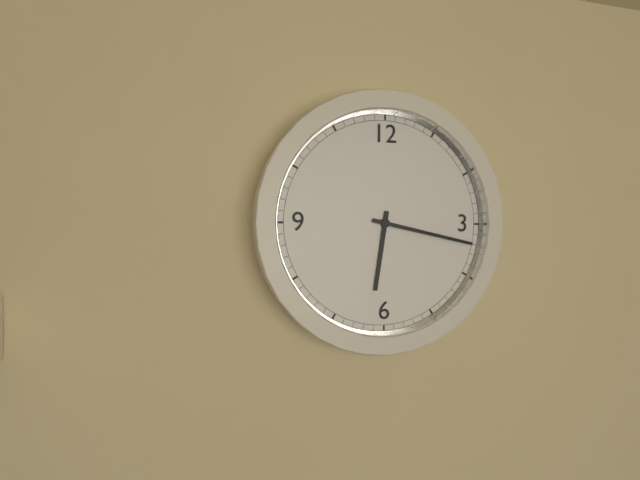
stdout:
{"hour": 6, "minute": 17}
